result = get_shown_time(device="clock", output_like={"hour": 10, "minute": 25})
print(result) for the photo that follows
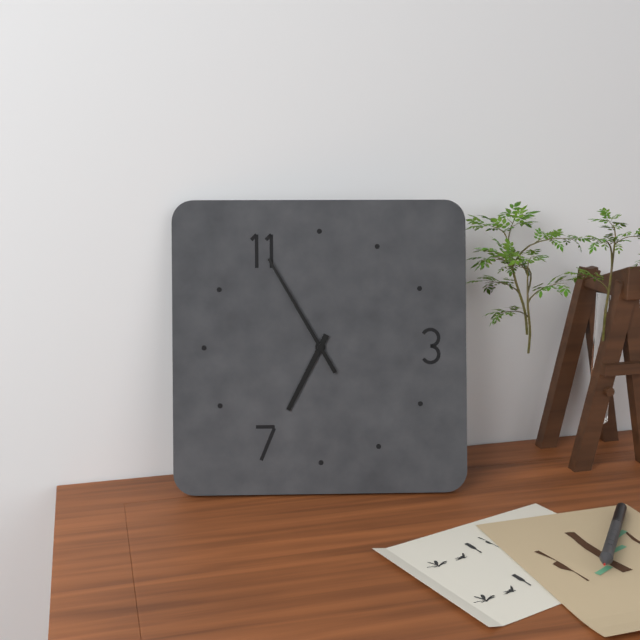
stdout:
{"hour": 6, "minute": 55}
